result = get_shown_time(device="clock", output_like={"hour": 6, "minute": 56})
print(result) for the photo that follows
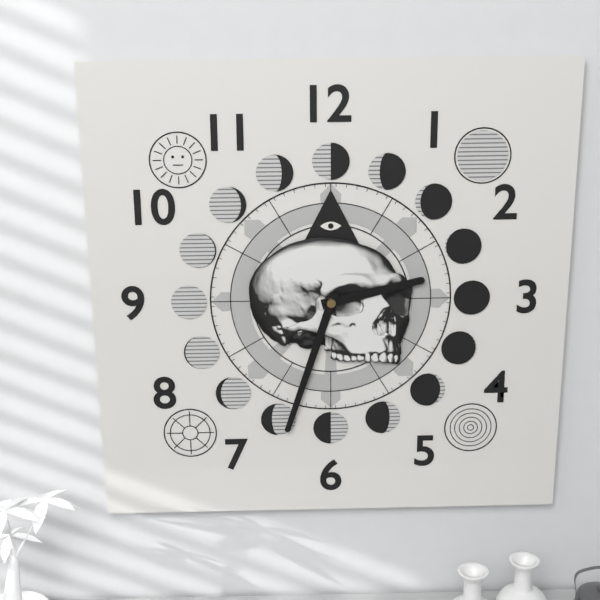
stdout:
{"hour": 2, "minute": 33}
